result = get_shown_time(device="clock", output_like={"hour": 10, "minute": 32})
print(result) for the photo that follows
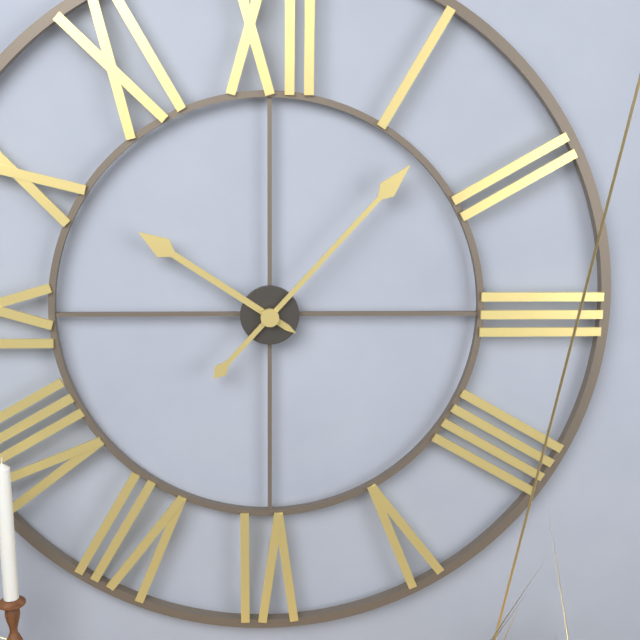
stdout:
{"hour": 10, "minute": 7}
